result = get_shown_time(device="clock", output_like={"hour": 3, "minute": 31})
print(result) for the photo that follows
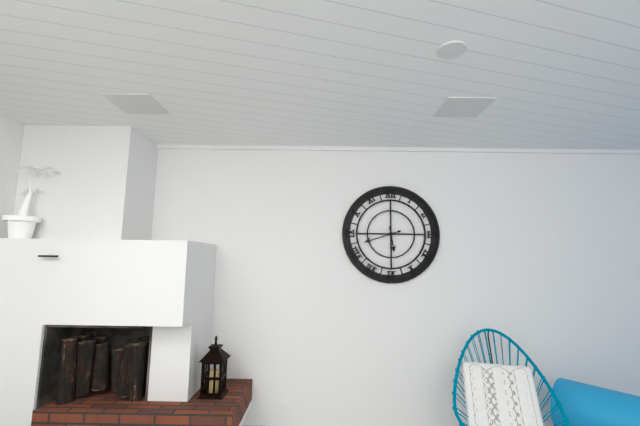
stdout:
{"hour": 5, "minute": 42}
